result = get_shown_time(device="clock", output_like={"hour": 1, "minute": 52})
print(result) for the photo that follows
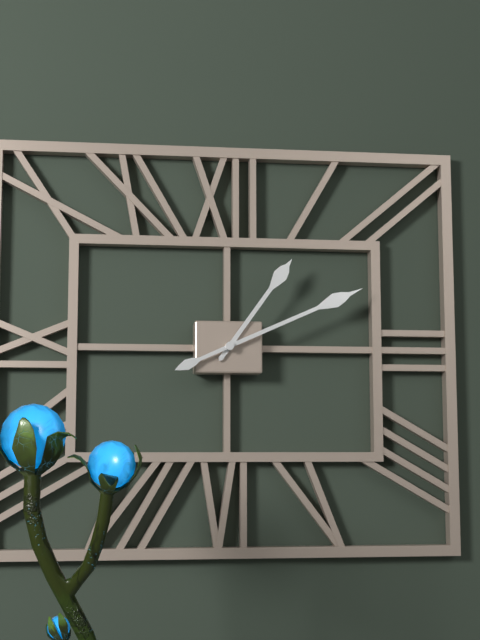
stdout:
{"hour": 1, "minute": 11}
